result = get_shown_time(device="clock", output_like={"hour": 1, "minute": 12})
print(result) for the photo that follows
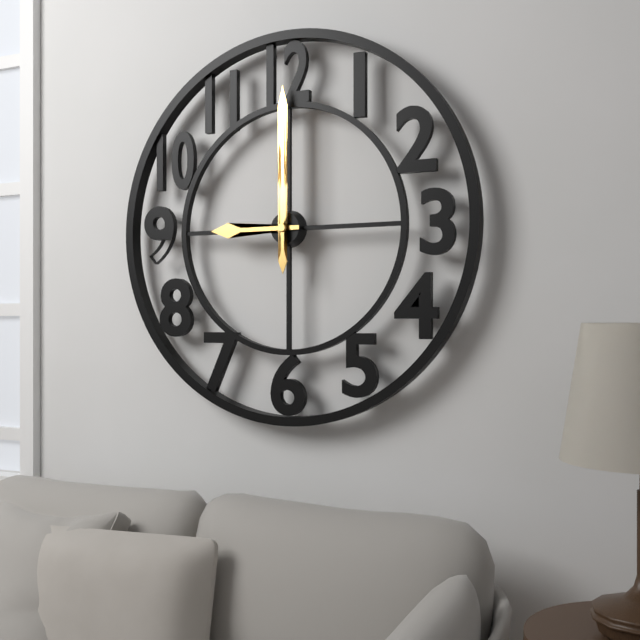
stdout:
{"hour": 9, "minute": 0}
